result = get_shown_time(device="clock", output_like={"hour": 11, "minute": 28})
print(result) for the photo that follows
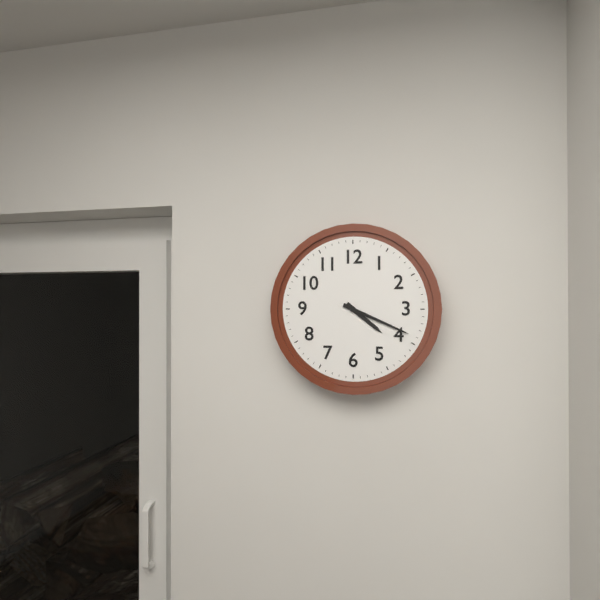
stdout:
{"hour": 4, "minute": 19}
